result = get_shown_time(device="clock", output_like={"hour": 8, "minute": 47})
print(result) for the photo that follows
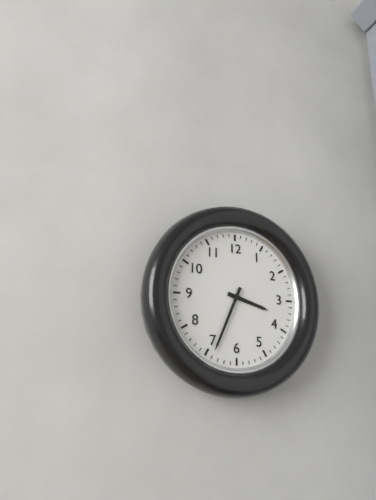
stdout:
{"hour": 3, "minute": 34}
